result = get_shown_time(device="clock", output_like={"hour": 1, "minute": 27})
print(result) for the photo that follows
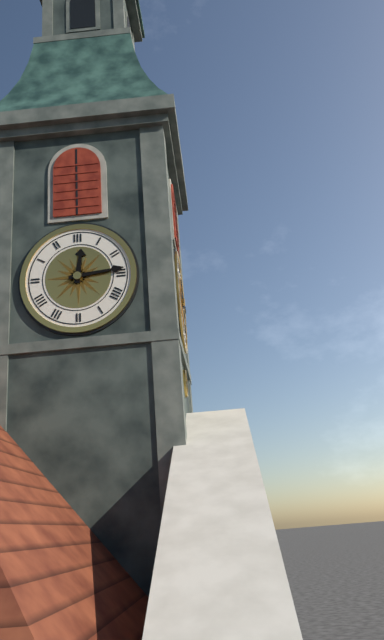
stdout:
{"hour": 12, "minute": 14}
